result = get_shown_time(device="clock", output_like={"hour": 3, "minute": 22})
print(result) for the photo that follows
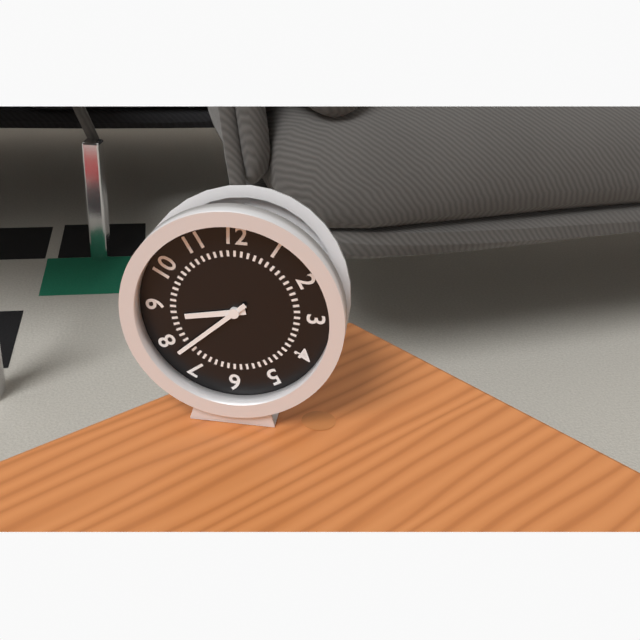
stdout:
{"hour": 8, "minute": 38}
